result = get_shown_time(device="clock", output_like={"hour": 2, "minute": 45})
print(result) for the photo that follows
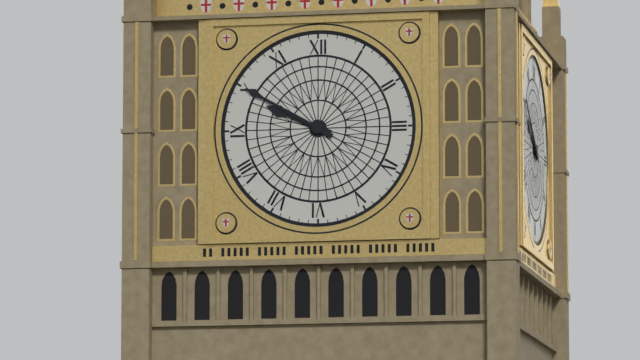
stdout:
{"hour": 9, "minute": 50}
